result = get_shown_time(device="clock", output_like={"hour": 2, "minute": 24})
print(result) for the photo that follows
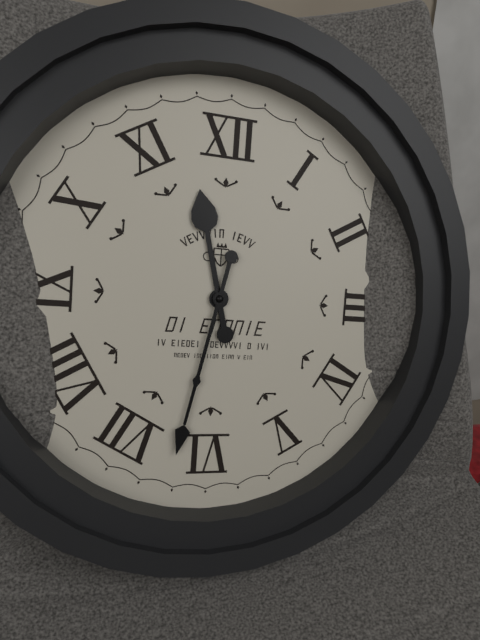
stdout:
{"hour": 11, "minute": 32}
